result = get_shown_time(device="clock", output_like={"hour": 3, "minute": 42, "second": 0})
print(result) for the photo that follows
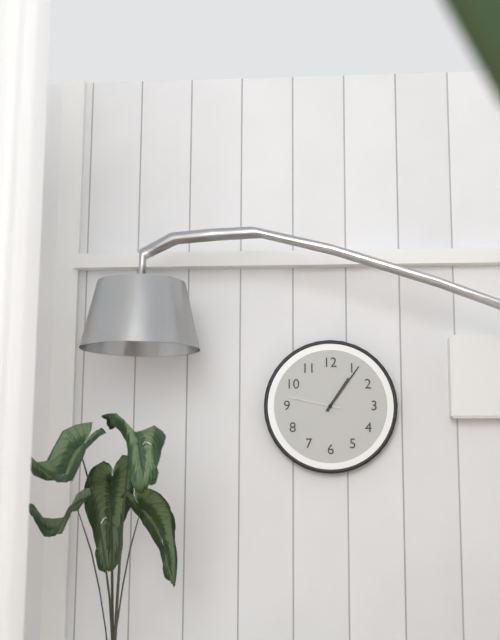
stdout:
{"hour": 1, "minute": 6, "second": 47}
